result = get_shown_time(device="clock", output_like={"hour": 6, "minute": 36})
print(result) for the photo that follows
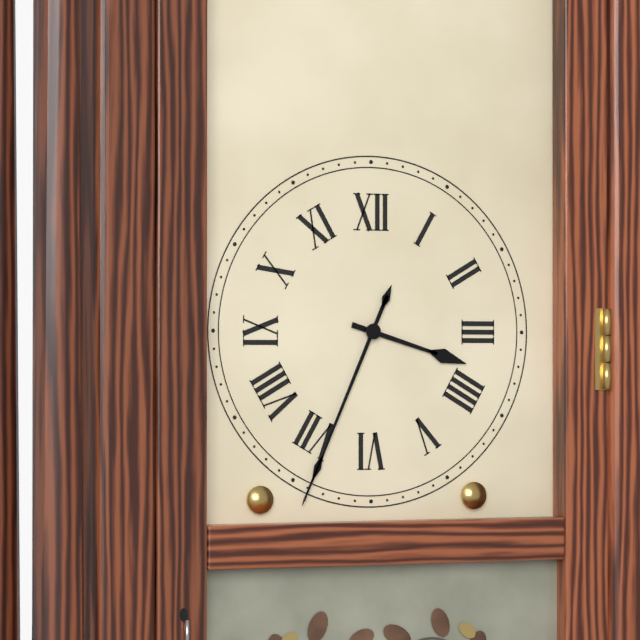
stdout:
{"hour": 3, "minute": 34}
